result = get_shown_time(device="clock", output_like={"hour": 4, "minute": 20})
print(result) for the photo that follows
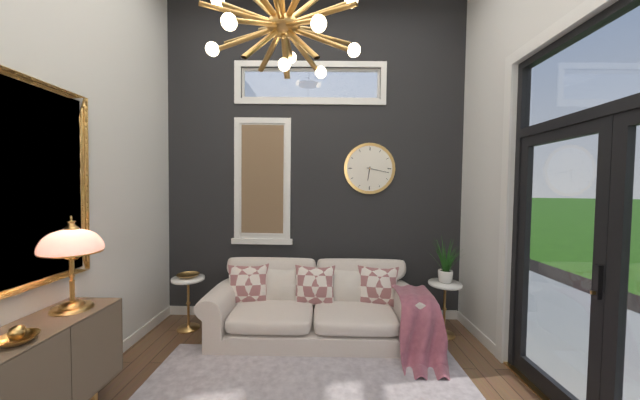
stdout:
{"hour": 6, "minute": 17}
